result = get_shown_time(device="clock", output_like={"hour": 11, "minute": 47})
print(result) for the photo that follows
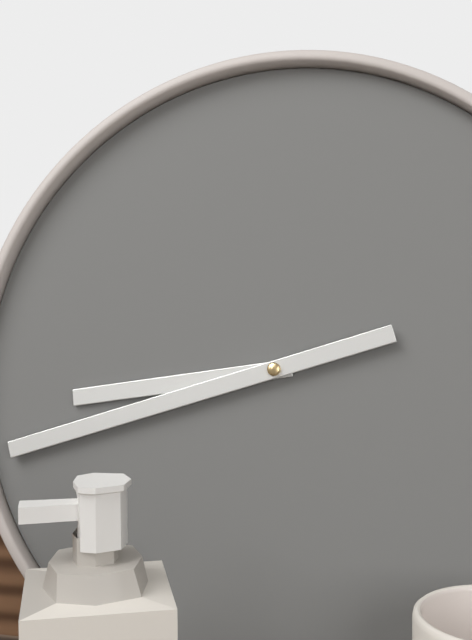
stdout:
{"hour": 8, "minute": 42}
